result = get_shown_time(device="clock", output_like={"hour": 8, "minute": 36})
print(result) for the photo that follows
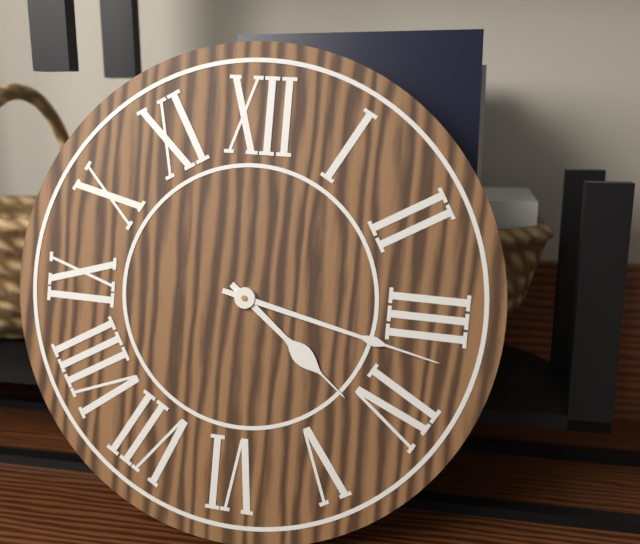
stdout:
{"hour": 4, "minute": 17}
